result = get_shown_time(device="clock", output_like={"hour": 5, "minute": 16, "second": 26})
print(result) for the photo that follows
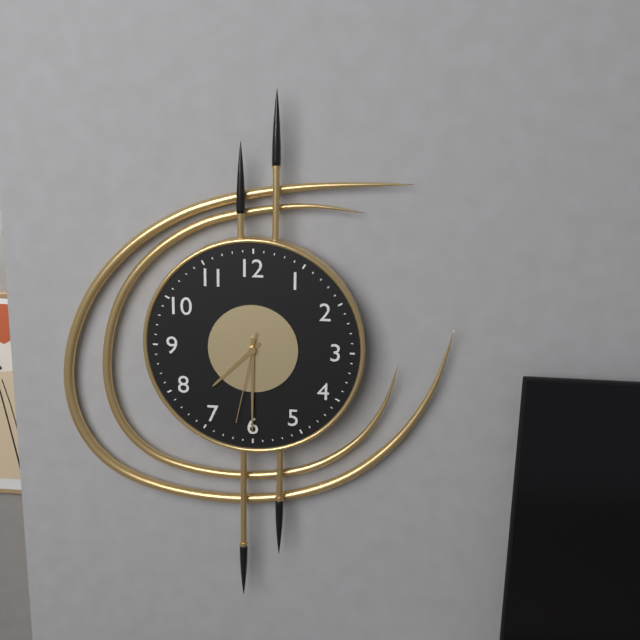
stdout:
{"hour": 7, "minute": 30, "second": 32}
